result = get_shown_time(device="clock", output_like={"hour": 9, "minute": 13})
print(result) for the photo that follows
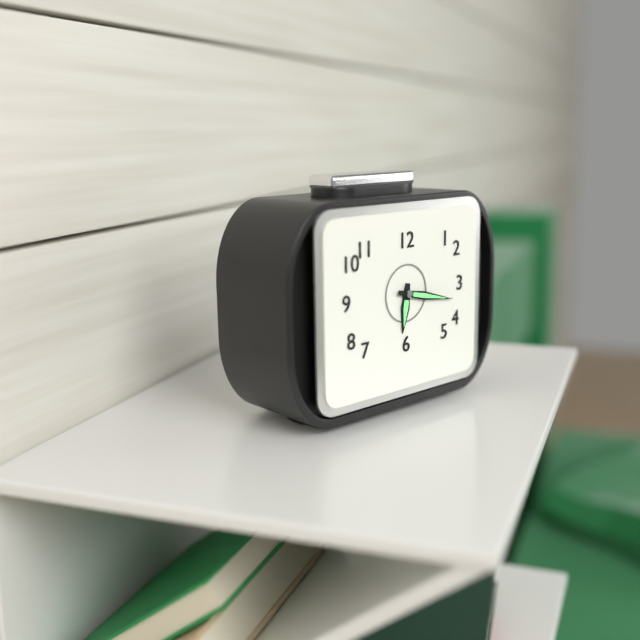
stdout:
{"hour": 6, "minute": 17}
